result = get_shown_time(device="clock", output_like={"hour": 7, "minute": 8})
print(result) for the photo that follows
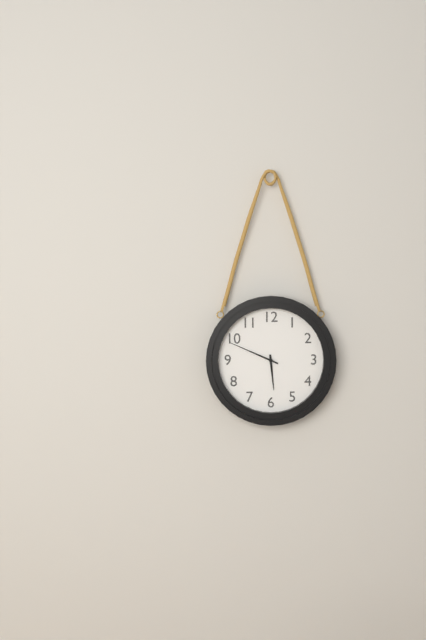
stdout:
{"hour": 5, "minute": 49}
